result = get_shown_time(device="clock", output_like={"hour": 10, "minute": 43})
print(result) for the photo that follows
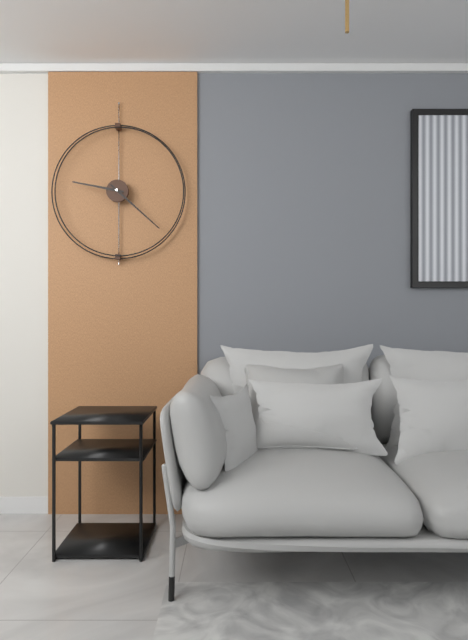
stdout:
{"hour": 9, "minute": 22}
